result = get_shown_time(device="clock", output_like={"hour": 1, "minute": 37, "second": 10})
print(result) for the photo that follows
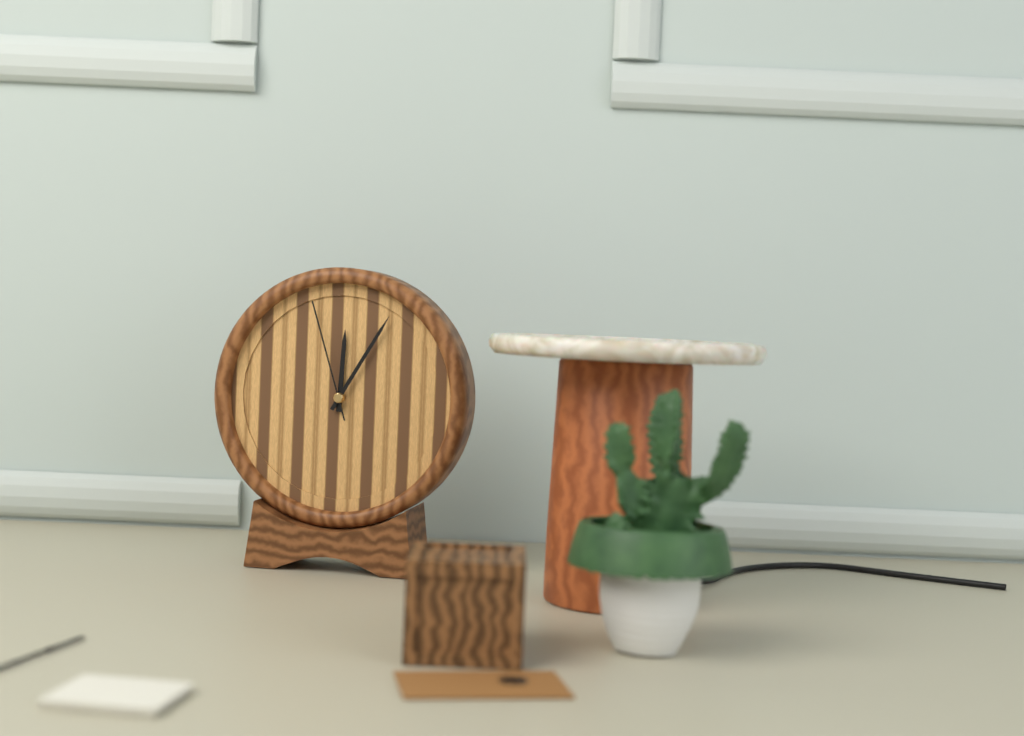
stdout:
{"hour": 12, "minute": 5, "second": 57}
